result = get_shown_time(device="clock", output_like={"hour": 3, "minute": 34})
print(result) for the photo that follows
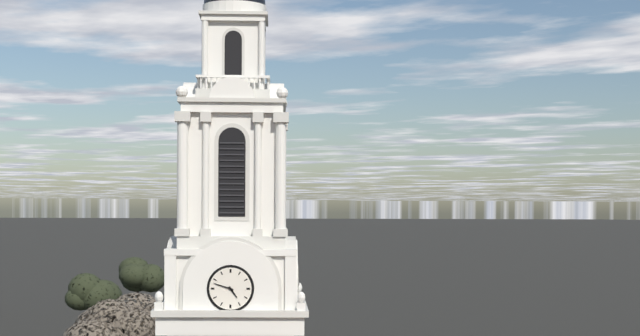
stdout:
{"hour": 4, "minute": 48}
